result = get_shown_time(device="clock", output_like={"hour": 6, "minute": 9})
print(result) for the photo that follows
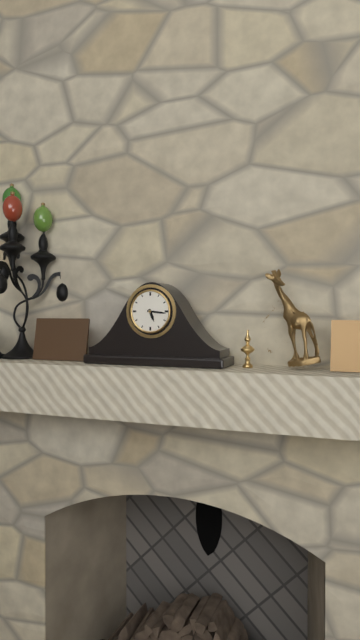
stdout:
{"hour": 5, "minute": 16}
